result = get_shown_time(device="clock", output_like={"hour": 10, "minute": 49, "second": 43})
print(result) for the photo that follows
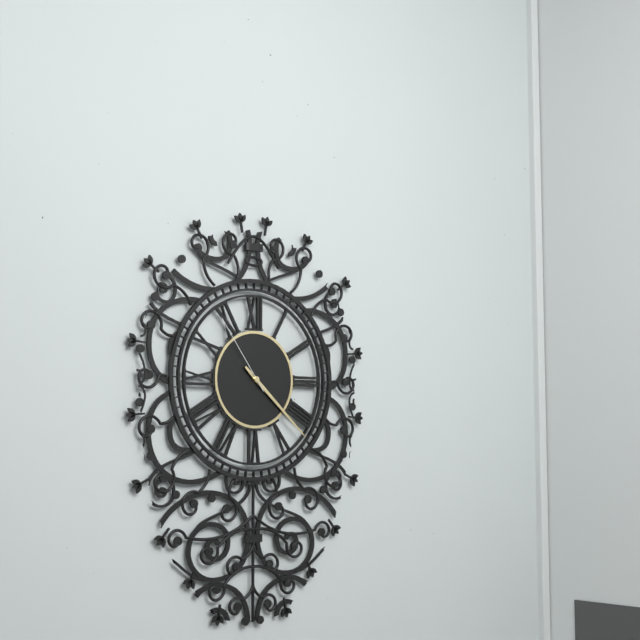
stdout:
{"hour": 4, "minute": 22, "second": 54}
